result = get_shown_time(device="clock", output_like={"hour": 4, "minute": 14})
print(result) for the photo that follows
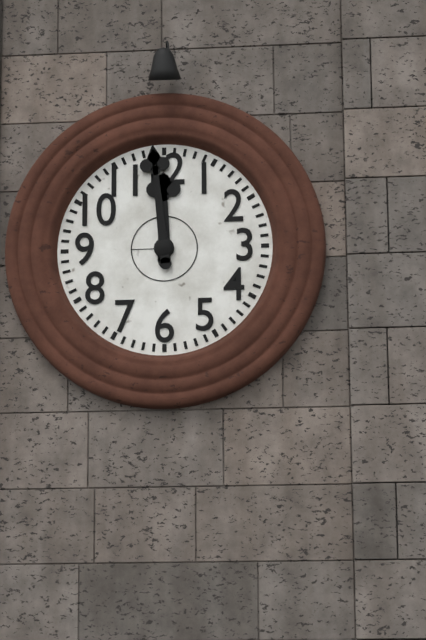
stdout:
{"hour": 11, "minute": 59}
